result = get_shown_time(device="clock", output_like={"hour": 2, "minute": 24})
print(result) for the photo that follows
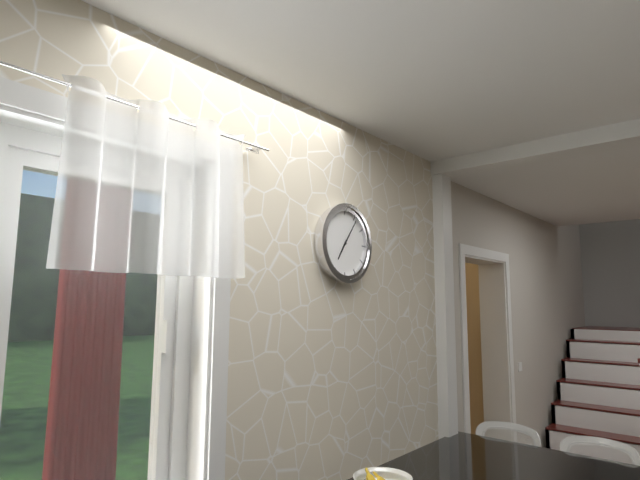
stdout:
{"hour": 7, "minute": 6}
